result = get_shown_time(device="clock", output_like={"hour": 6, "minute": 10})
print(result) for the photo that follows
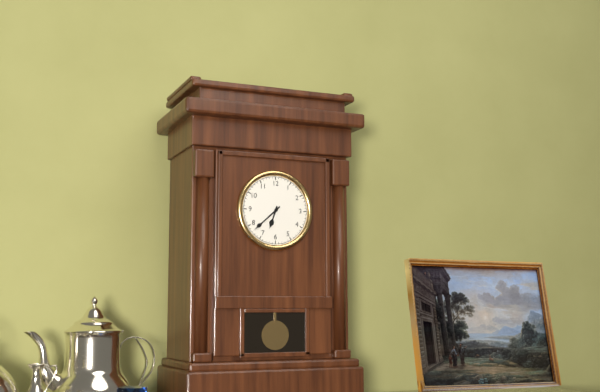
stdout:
{"hour": 6, "minute": 38}
